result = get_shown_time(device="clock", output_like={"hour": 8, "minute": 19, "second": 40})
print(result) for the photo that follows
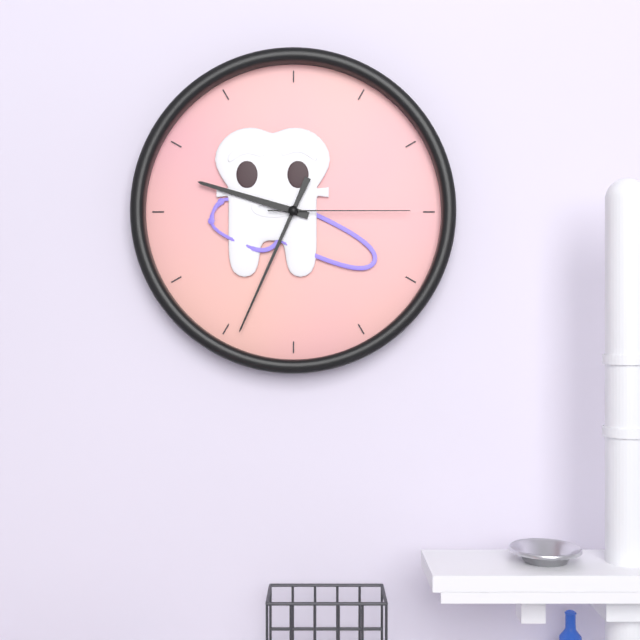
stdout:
{"hour": 9, "minute": 34, "second": 15}
